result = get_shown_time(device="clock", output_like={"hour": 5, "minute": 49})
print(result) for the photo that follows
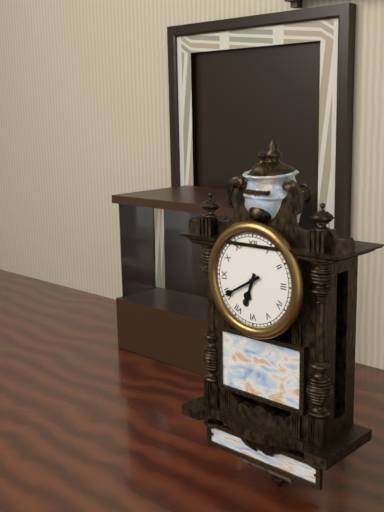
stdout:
{"hour": 6, "minute": 40}
